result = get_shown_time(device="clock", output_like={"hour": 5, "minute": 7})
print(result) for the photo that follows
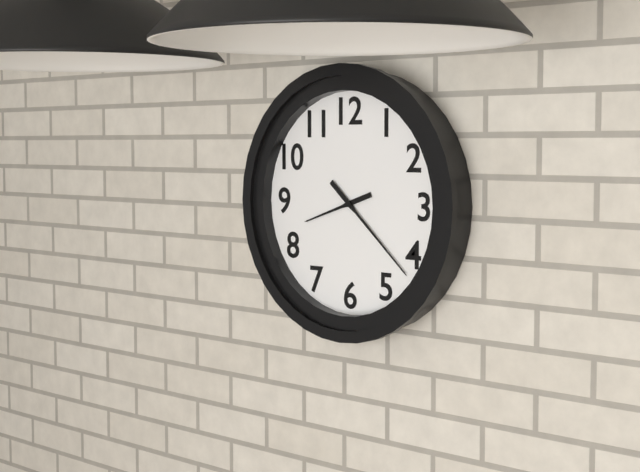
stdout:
{"hour": 8, "minute": 22}
